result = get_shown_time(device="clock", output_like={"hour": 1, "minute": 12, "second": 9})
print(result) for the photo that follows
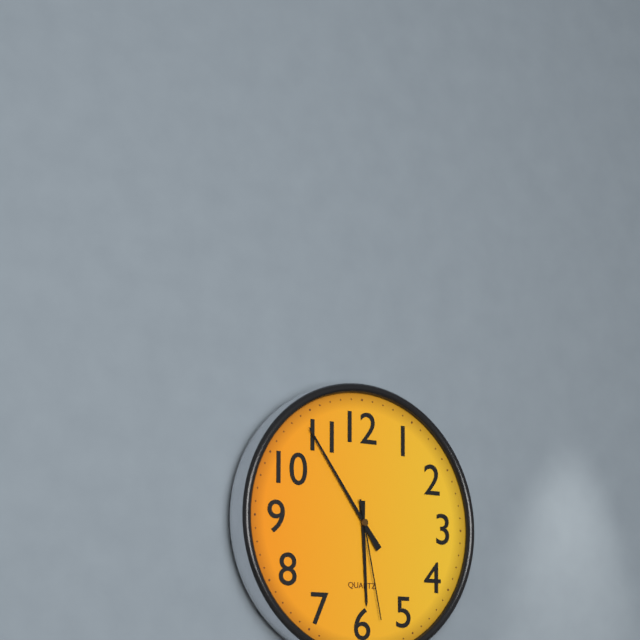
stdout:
{"hour": 5, "minute": 54, "second": 28}
